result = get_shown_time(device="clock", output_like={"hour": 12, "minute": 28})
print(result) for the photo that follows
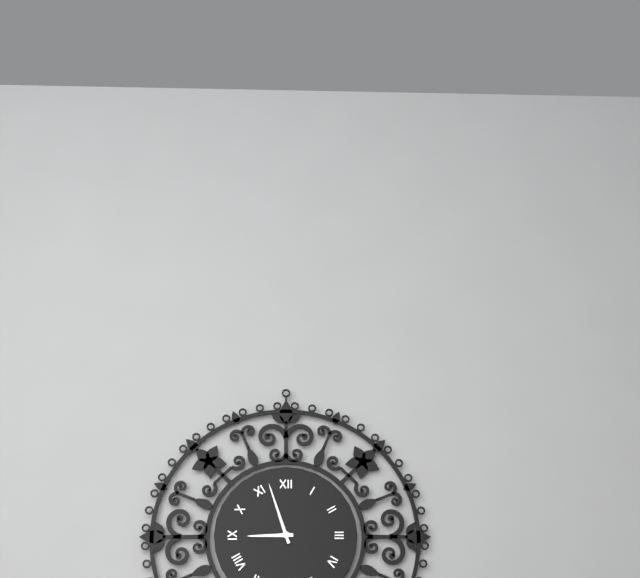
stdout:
{"hour": 8, "minute": 57}
